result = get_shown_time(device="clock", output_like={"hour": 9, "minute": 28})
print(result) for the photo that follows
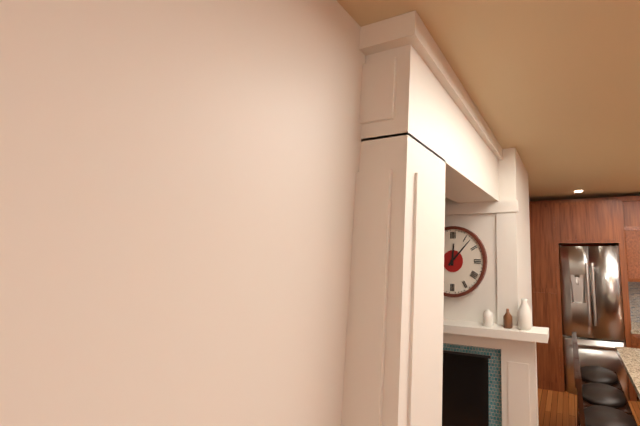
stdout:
{"hour": 12, "minute": 7}
